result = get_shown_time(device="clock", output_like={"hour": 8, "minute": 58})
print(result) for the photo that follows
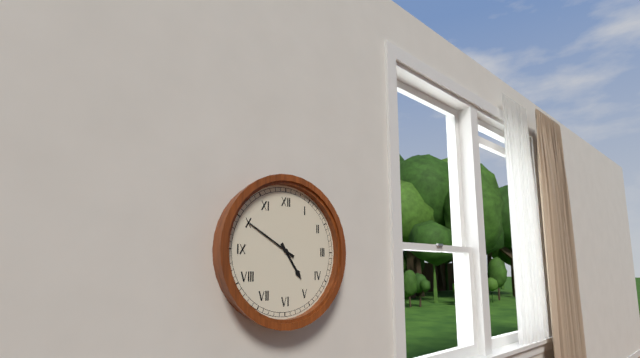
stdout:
{"hour": 4, "minute": 50}
